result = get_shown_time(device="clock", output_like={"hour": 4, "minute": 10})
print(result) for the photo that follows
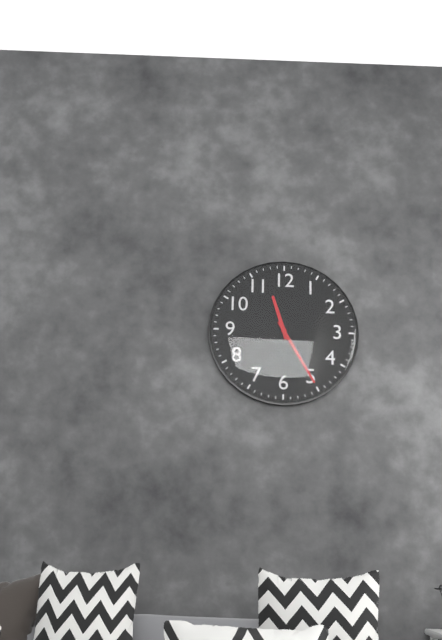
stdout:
{"hour": 11, "minute": 25}
